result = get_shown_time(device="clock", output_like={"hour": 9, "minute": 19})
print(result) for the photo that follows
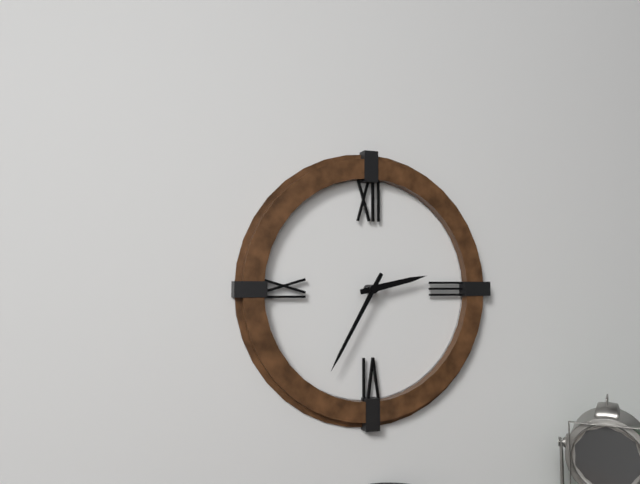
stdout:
{"hour": 2, "minute": 35}
